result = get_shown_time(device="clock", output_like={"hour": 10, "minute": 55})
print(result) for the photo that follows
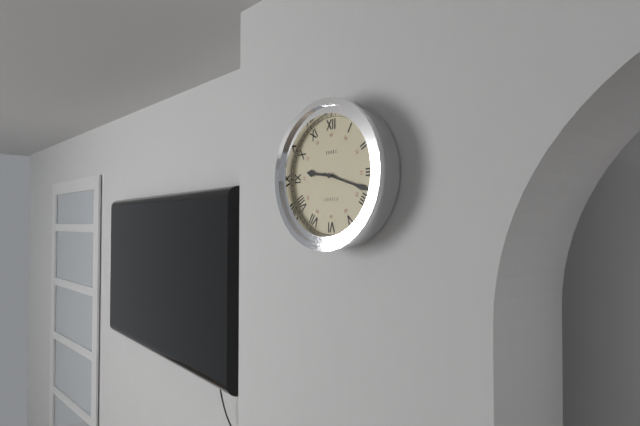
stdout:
{"hour": 9, "minute": 18}
